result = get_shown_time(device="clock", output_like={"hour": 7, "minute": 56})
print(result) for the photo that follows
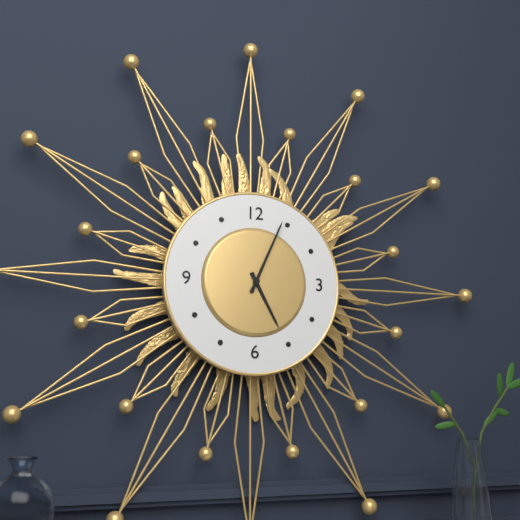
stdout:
{"hour": 5, "minute": 4}
